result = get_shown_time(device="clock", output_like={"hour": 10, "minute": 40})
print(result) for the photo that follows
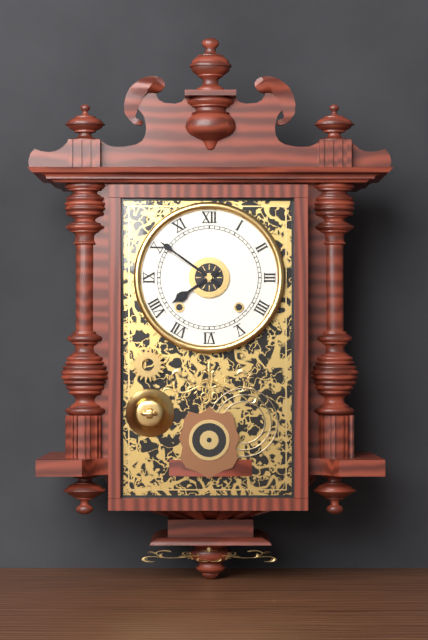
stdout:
{"hour": 7, "minute": 51}
